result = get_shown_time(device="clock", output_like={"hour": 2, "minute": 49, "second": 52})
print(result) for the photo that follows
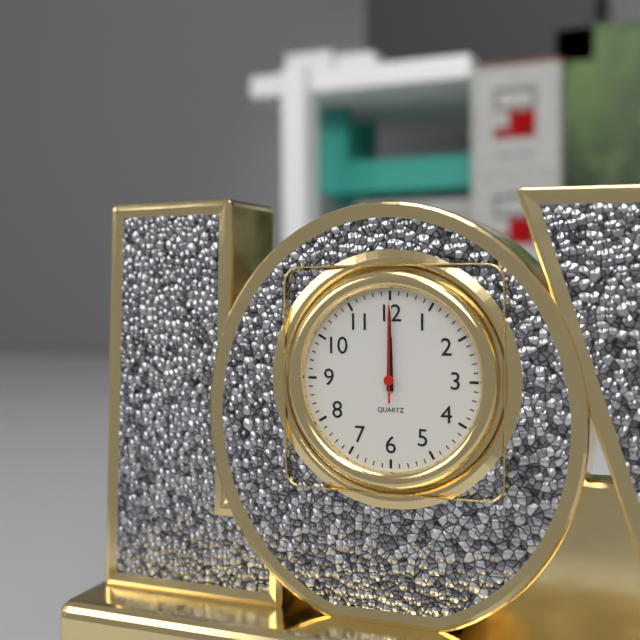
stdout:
{"hour": 12, "minute": 0, "second": 0}
